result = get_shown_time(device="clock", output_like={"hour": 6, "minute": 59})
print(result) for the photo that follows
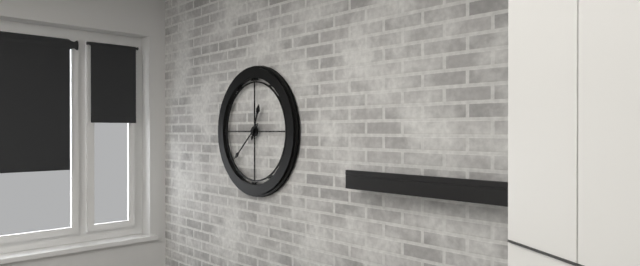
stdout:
{"hour": 12, "minute": 38}
